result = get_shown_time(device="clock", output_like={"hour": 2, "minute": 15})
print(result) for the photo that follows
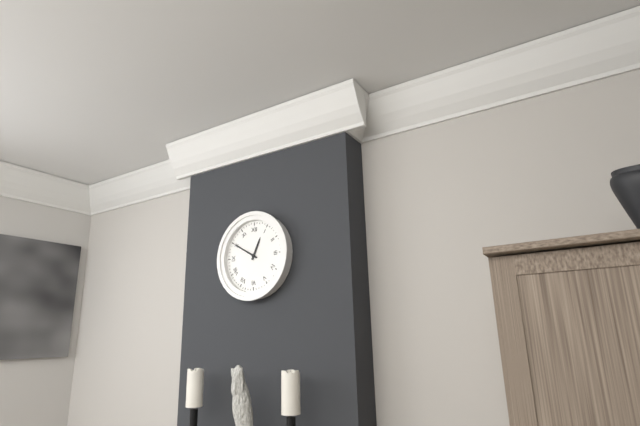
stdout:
{"hour": 12, "minute": 50}
